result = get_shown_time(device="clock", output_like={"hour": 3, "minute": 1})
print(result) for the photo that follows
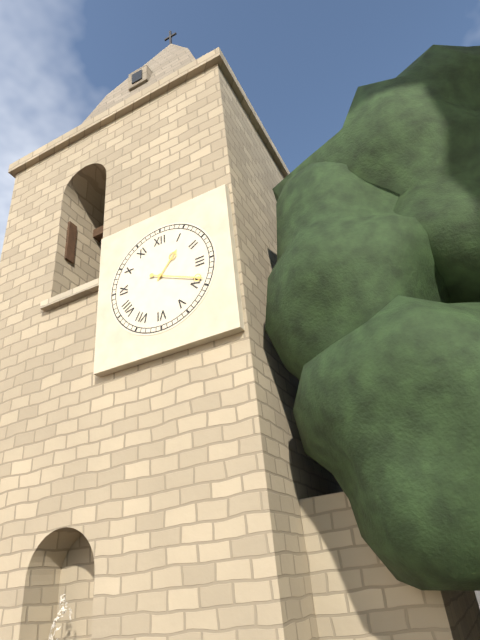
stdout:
{"hour": 1, "minute": 19}
